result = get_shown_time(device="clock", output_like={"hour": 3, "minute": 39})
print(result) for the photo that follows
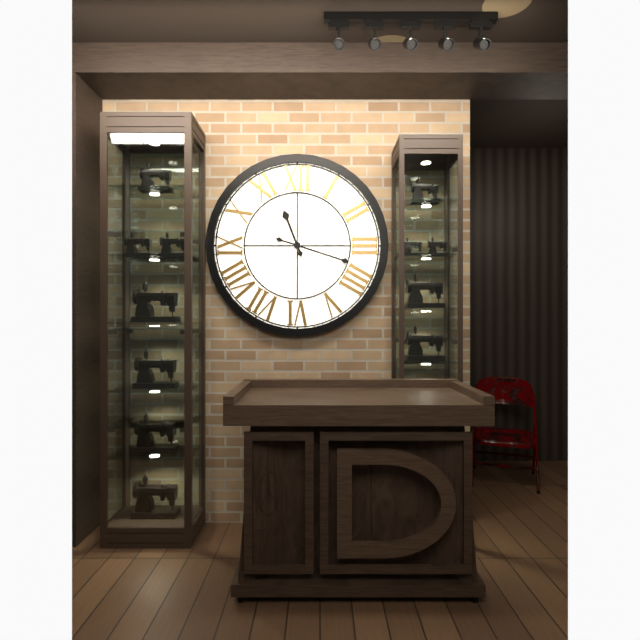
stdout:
{"hour": 11, "minute": 18}
